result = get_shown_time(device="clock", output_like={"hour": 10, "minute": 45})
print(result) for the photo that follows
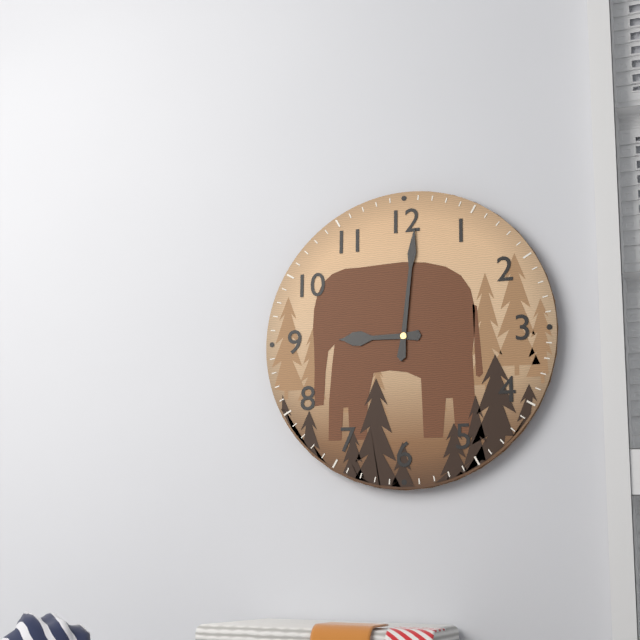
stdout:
{"hour": 9, "minute": 1}
